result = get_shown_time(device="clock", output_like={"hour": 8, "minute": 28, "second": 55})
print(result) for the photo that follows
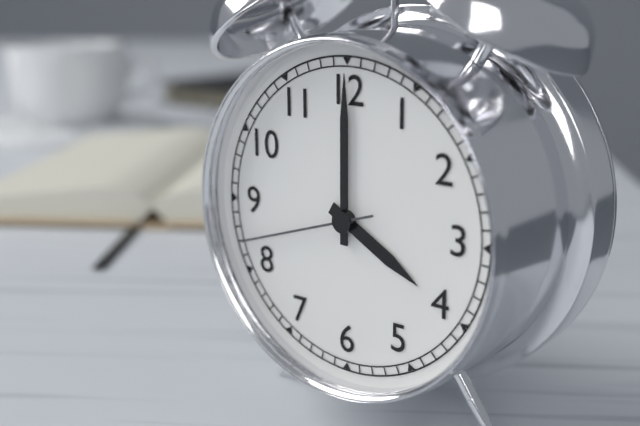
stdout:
{"hour": 4, "minute": 0, "second": 42}
